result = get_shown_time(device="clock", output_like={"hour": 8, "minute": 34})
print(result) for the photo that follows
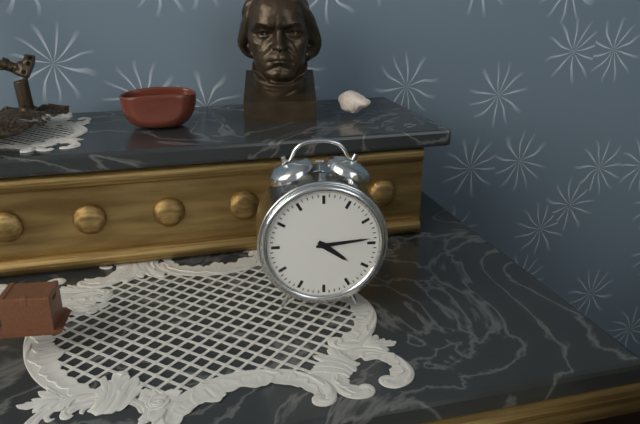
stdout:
{"hour": 4, "minute": 14}
